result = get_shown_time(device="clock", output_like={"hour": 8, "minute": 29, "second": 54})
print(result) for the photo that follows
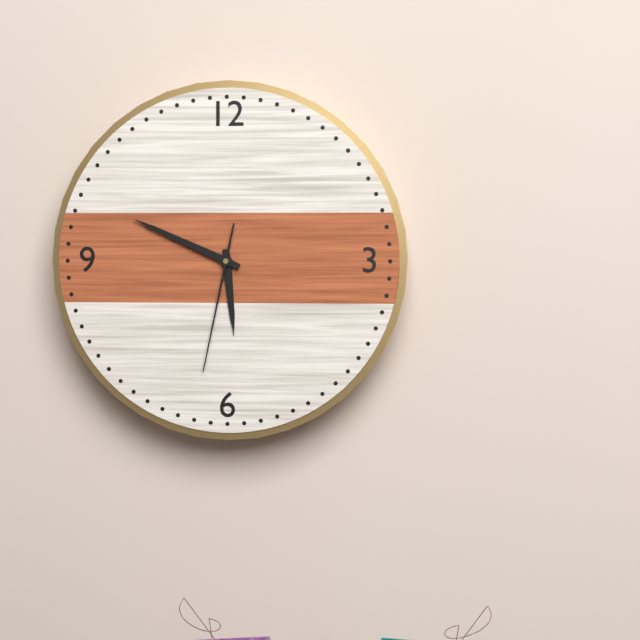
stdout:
{"hour": 5, "minute": 49, "second": 32}
